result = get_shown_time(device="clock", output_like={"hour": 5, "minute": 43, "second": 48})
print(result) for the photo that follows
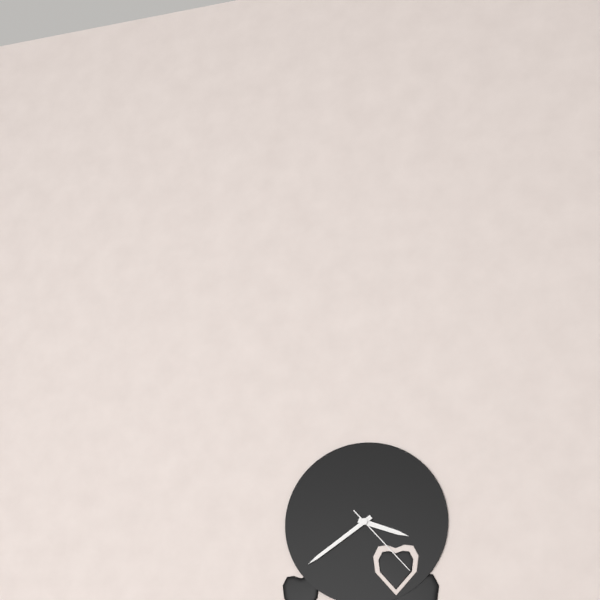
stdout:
{"hour": 3, "minute": 39, "second": 23}
